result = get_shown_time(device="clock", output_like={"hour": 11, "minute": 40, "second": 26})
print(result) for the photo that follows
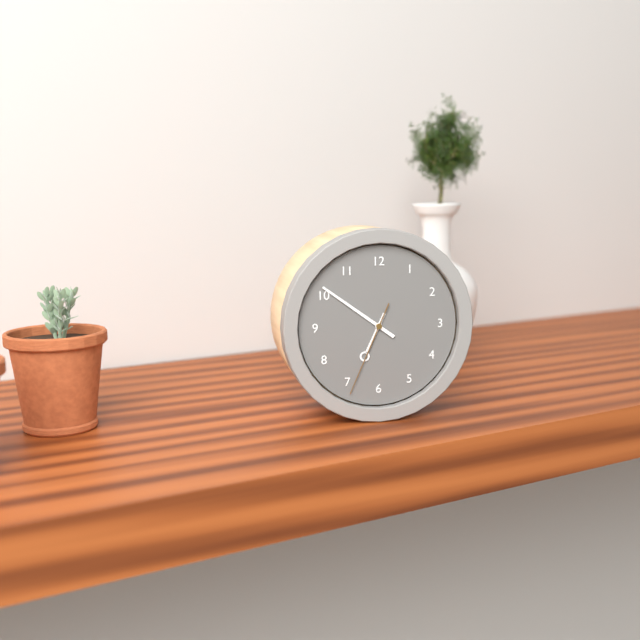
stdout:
{"hour": 6, "minute": 51, "second": 34}
